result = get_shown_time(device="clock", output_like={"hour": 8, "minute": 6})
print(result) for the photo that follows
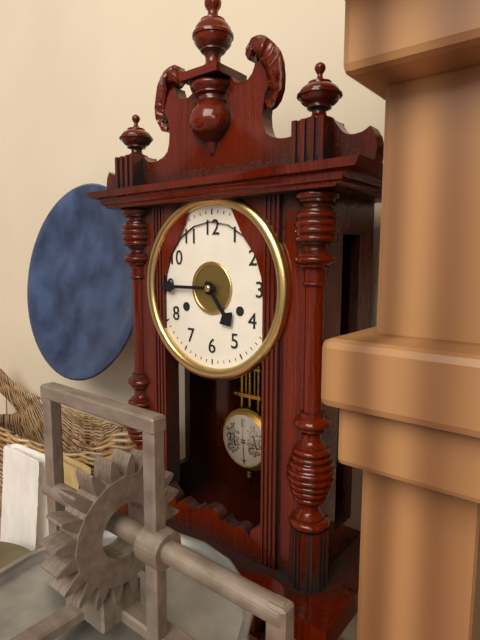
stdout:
{"hour": 4, "minute": 45}
